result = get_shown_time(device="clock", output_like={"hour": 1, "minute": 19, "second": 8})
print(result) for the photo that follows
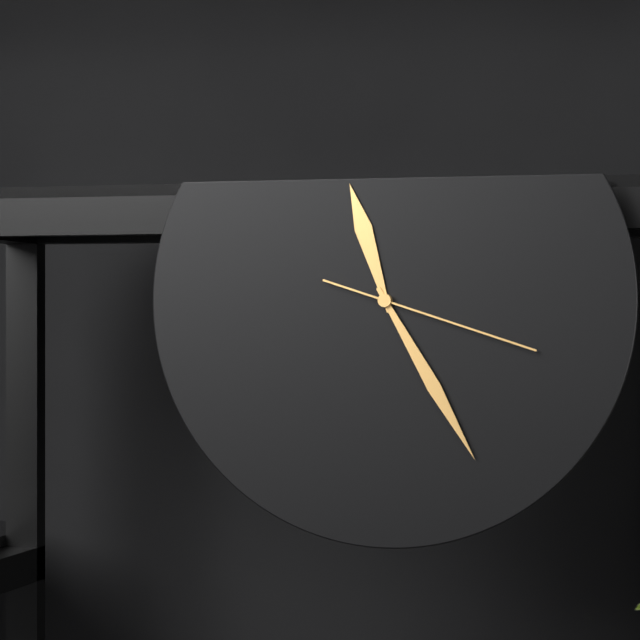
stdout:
{"hour": 11, "minute": 25, "second": 18}
